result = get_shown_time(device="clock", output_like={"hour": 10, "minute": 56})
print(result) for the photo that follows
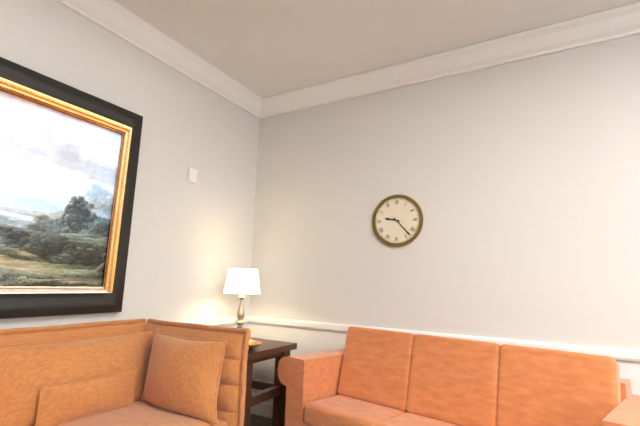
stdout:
{"hour": 9, "minute": 23}
